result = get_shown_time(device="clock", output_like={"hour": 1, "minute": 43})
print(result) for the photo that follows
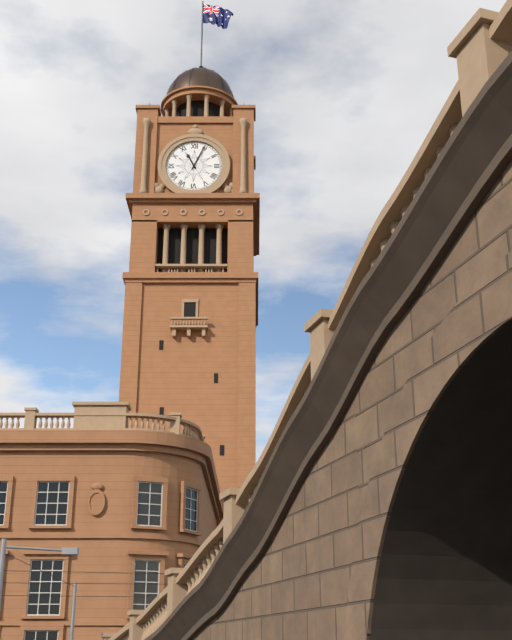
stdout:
{"hour": 11, "minute": 4}
